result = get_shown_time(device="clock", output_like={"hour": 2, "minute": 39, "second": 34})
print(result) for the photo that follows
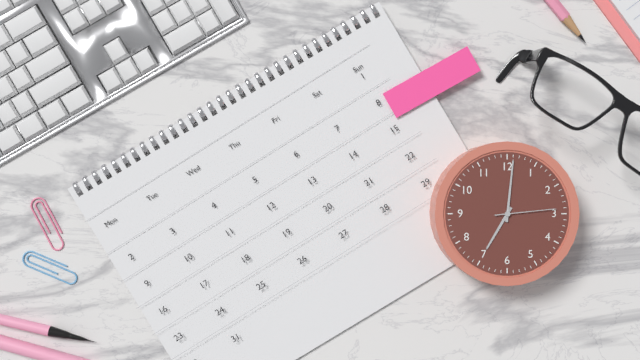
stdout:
{"hour": 7, "minute": 1, "second": 14}
